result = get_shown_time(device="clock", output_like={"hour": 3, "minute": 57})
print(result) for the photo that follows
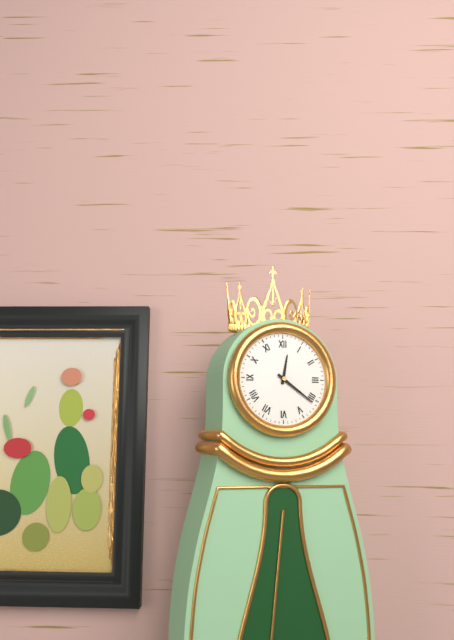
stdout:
{"hour": 12, "minute": 21}
